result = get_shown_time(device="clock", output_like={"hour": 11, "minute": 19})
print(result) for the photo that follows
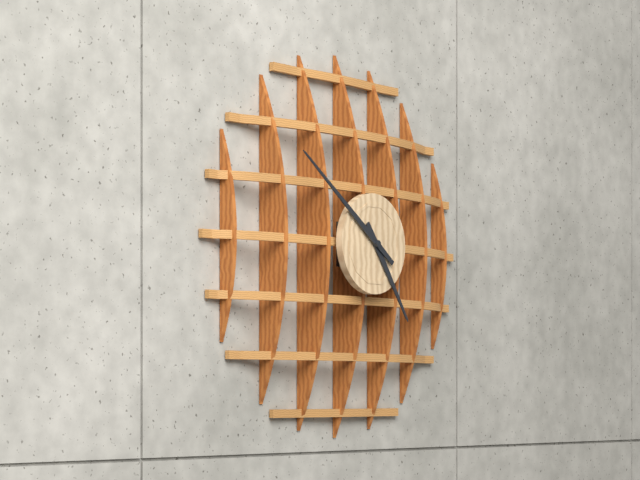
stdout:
{"hour": 4, "minute": 51}
